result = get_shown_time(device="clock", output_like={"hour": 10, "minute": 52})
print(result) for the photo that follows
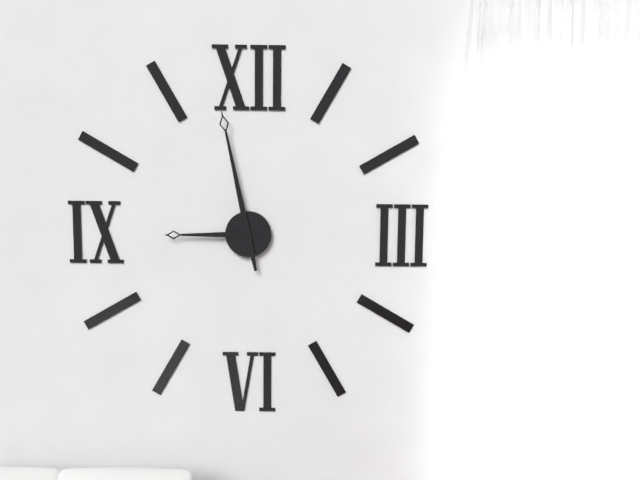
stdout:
{"hour": 8, "minute": 58}
